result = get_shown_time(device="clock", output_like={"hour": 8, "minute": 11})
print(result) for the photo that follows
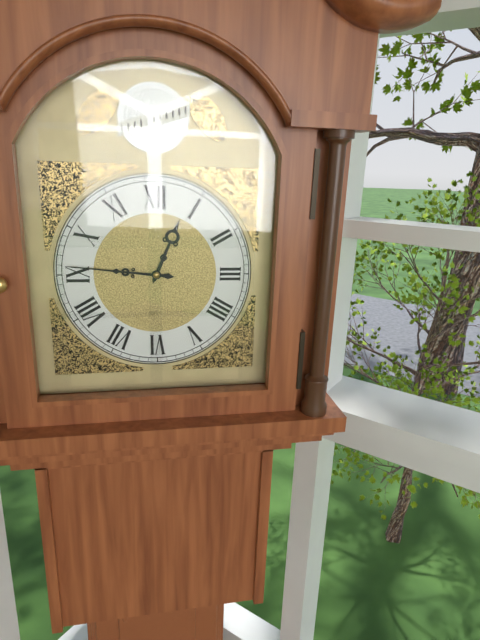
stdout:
{"hour": 12, "minute": 46}
